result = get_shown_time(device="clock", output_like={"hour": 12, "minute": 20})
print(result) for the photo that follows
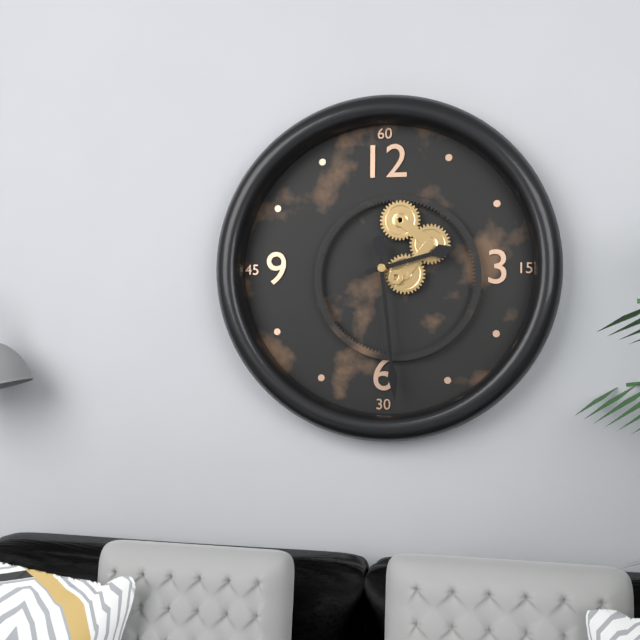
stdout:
{"hour": 2, "minute": 29}
